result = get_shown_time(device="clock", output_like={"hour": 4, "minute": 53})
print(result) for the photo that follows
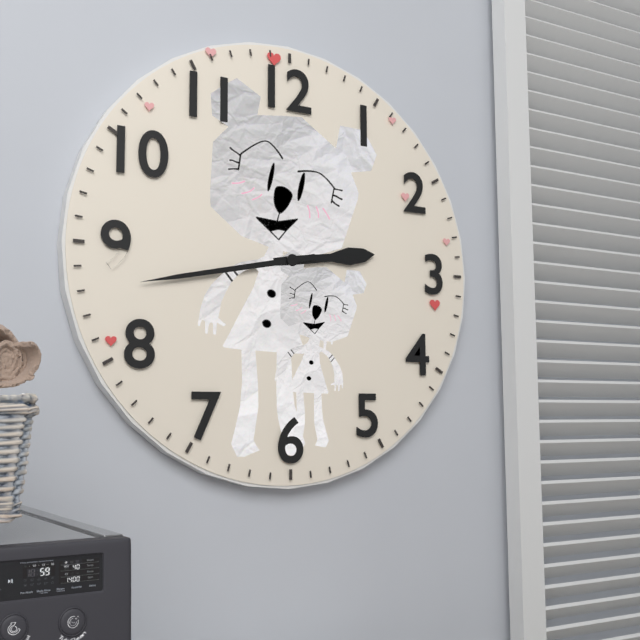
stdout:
{"hour": 2, "minute": 43}
